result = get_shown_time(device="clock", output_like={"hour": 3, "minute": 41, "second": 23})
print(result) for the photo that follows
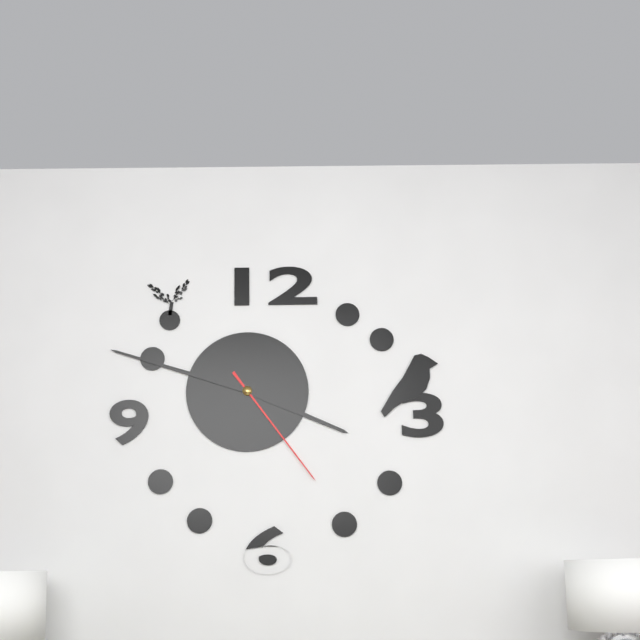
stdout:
{"hour": 3, "minute": 48, "second": 24}
